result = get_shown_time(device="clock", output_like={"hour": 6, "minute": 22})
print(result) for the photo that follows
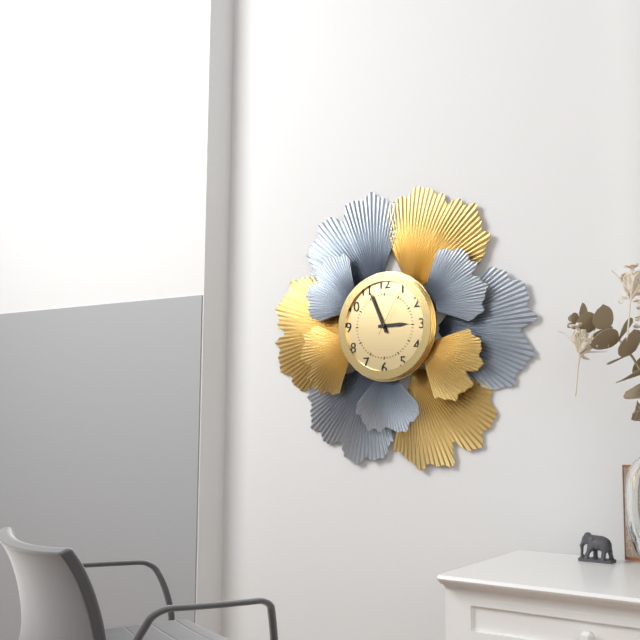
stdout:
{"hour": 2, "minute": 56}
